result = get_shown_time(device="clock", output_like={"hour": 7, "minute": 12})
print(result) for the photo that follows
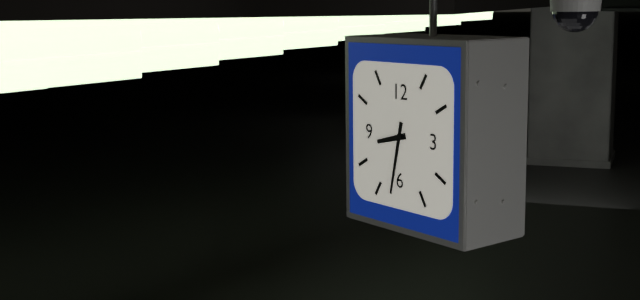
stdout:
{"hour": 8, "minute": 32}
